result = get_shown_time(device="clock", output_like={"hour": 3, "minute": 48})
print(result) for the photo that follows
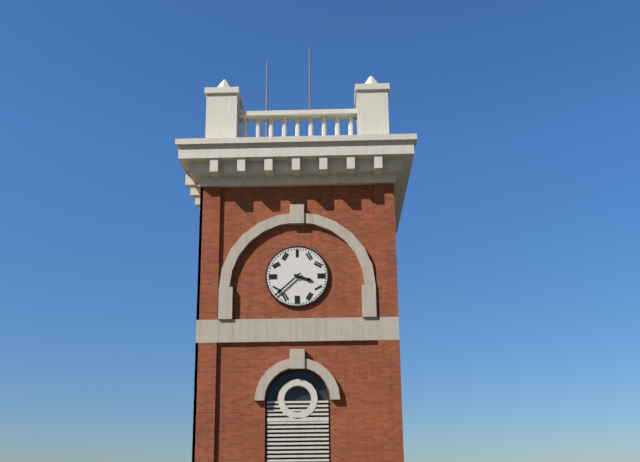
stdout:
{"hour": 3, "minute": 38}
